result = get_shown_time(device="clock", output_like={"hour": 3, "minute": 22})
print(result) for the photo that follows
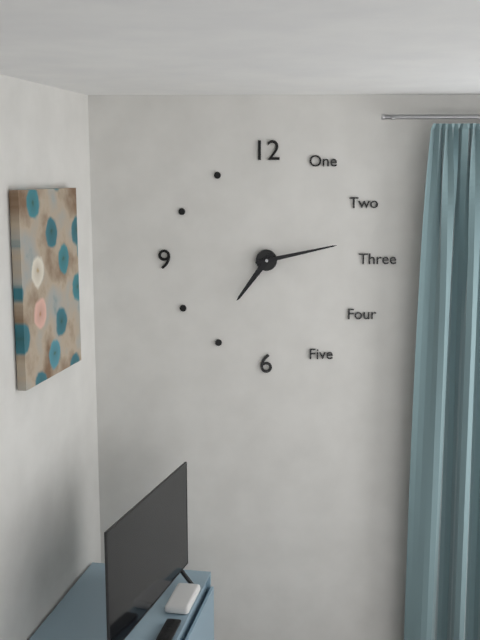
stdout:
{"hour": 7, "minute": 13}
